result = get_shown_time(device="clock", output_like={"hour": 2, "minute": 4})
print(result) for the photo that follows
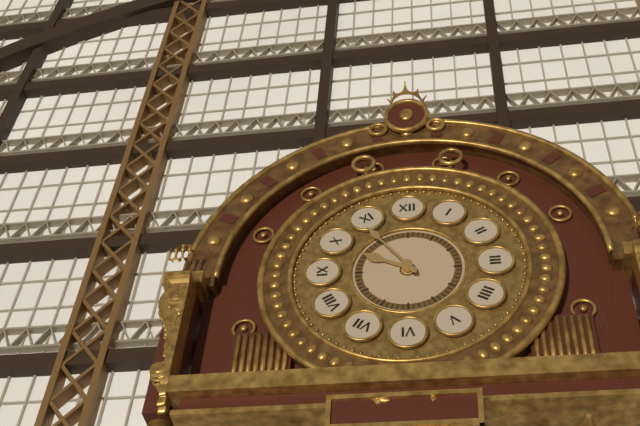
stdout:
{"hour": 9, "minute": 54}
